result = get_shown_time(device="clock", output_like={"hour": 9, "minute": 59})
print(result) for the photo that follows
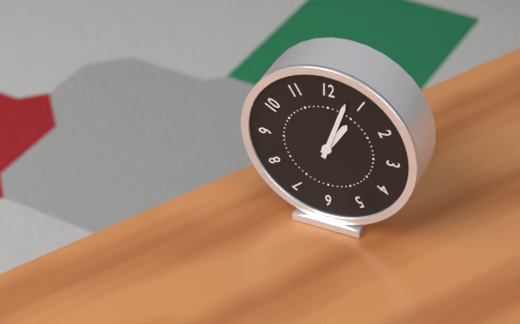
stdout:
{"hour": 1, "minute": 3}
